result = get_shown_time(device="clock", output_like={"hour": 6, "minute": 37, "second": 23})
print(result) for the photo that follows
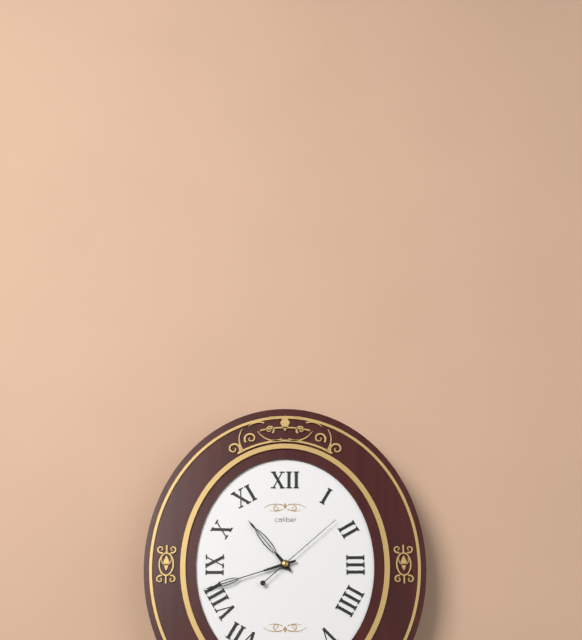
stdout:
{"hour": 10, "minute": 42, "second": 8}
